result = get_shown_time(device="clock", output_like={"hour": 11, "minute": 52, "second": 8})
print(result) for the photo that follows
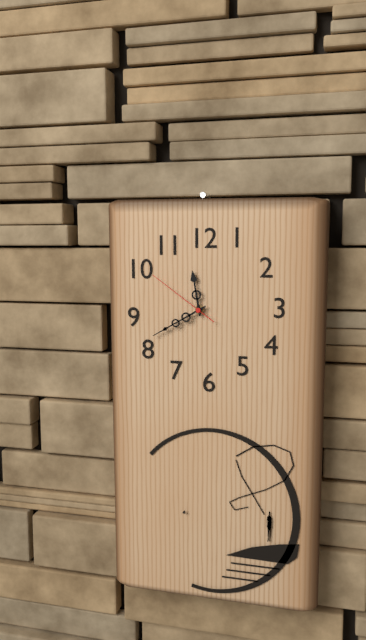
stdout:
{"hour": 11, "minute": 40, "second": 51}
